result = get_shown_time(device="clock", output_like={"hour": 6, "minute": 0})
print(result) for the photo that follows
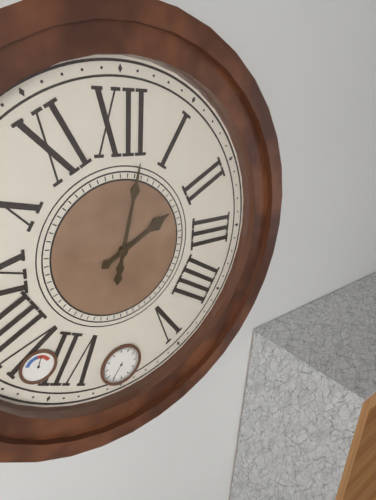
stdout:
{"hour": 2, "minute": 2}
